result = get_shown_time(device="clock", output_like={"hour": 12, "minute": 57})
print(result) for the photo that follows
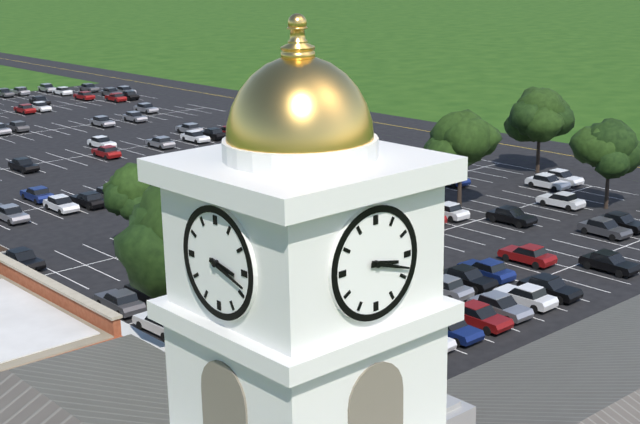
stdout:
{"hour": 3, "minute": 18}
